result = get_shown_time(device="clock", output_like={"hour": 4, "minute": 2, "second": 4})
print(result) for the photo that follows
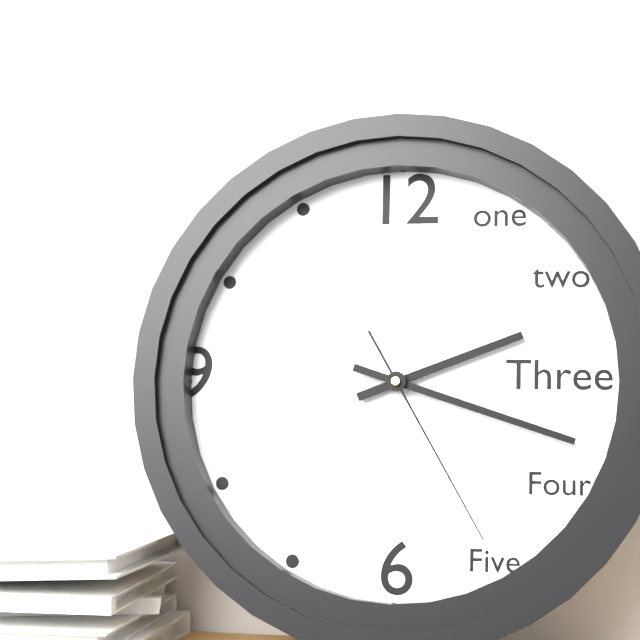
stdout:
{"hour": 2, "minute": 18, "second": 25}
